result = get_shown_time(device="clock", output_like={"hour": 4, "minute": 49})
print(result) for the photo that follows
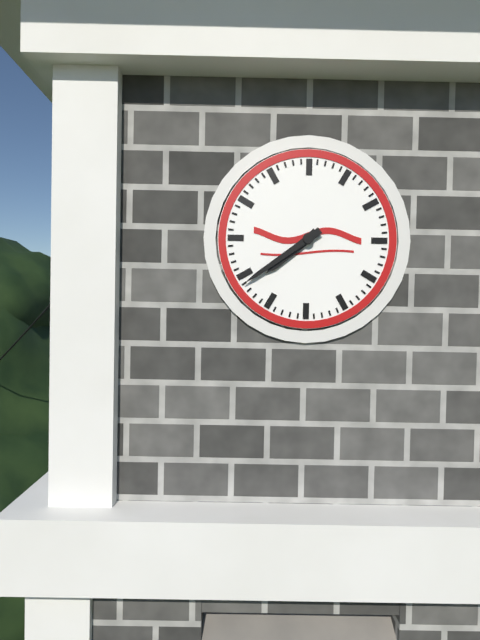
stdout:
{"hour": 7, "minute": 39}
